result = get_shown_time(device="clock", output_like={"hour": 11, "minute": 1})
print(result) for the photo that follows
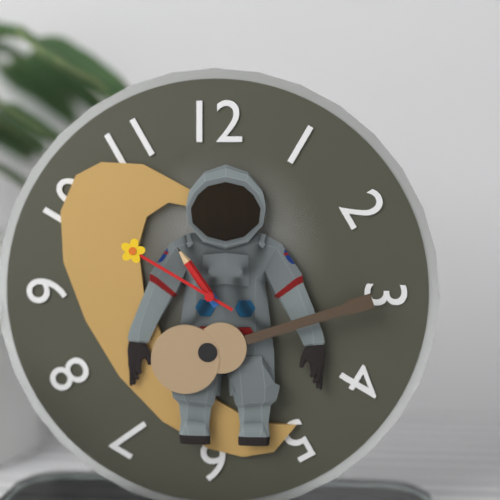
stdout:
{"hour": 10, "minute": 50}
